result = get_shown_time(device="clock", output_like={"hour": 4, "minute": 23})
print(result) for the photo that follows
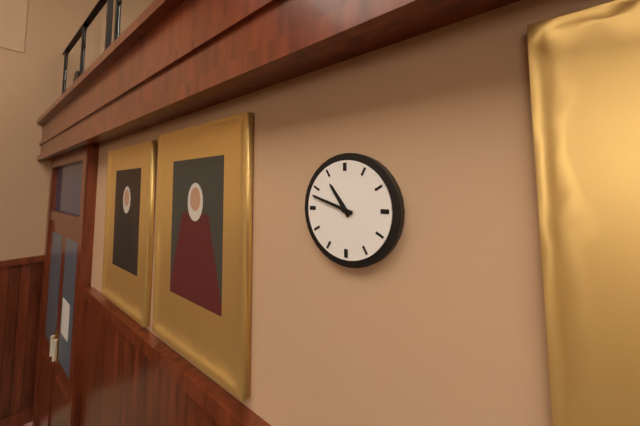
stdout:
{"hour": 10, "minute": 48}
